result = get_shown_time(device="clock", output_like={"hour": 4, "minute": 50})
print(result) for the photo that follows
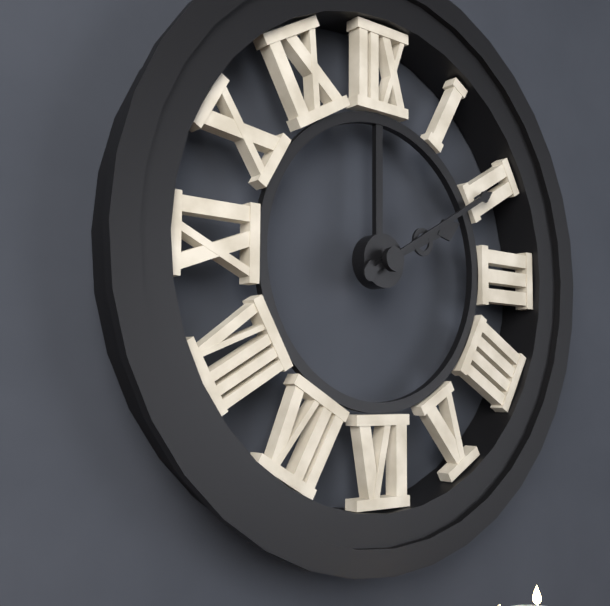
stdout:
{"hour": 2, "minute": 10}
